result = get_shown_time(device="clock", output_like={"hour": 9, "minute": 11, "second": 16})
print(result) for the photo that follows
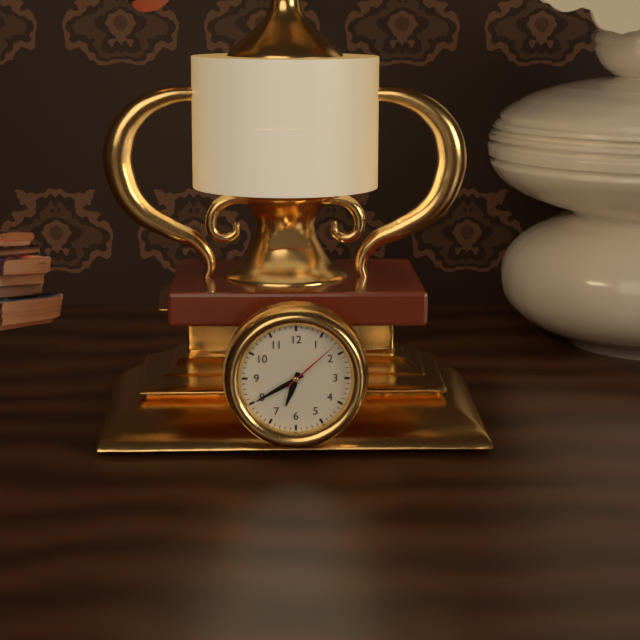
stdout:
{"hour": 6, "minute": 40, "second": 8}
